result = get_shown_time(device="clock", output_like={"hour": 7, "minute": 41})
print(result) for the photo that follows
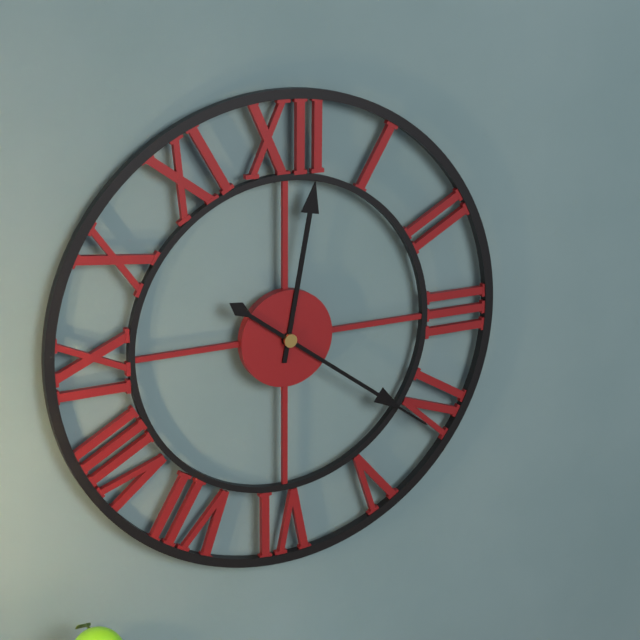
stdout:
{"hour": 12, "minute": 21}
